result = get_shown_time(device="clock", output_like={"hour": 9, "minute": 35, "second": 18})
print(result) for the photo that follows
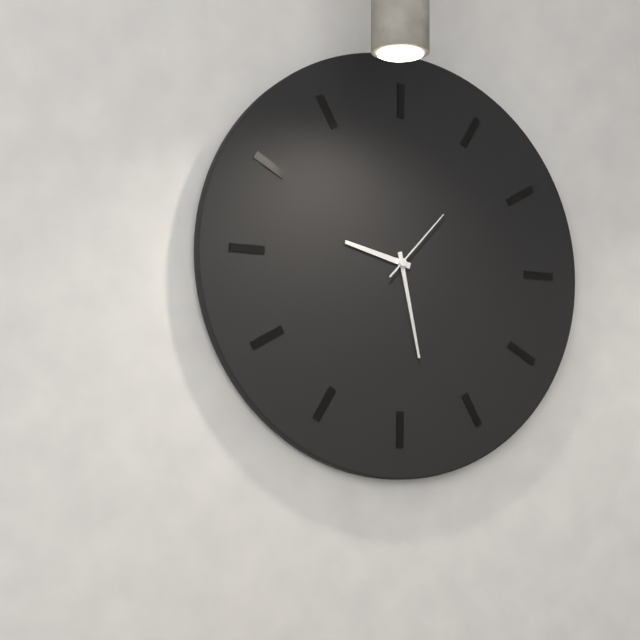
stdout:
{"hour": 9, "minute": 28, "second": 7}
